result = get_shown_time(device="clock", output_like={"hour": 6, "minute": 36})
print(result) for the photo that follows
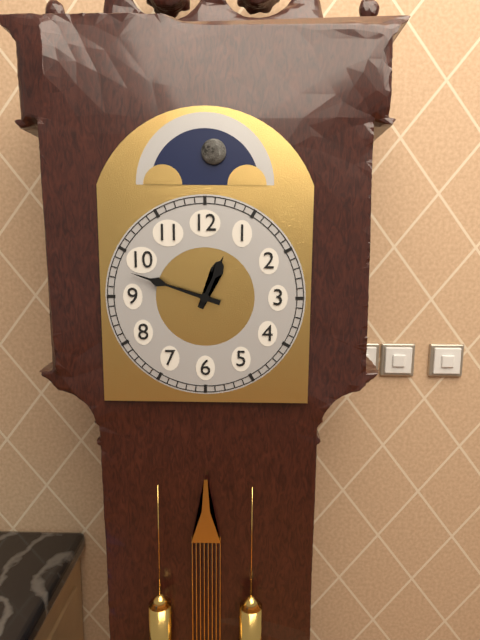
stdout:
{"hour": 12, "minute": 48}
